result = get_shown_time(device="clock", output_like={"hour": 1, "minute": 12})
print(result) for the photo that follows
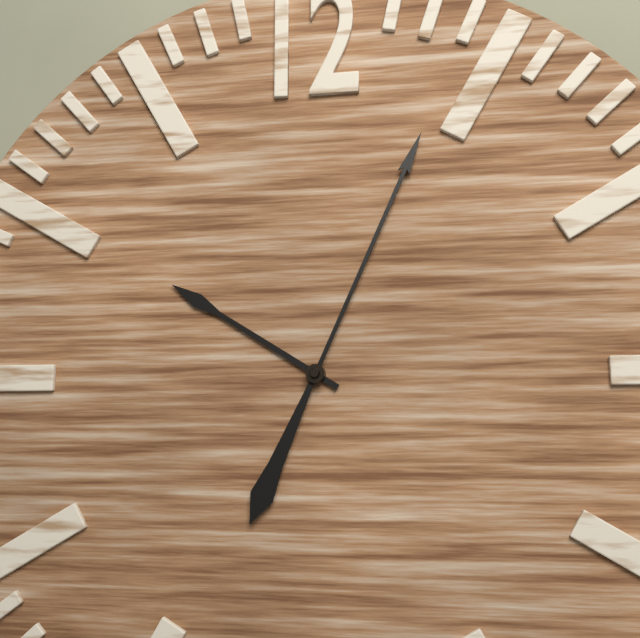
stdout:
{"hour": 10, "minute": 4}
